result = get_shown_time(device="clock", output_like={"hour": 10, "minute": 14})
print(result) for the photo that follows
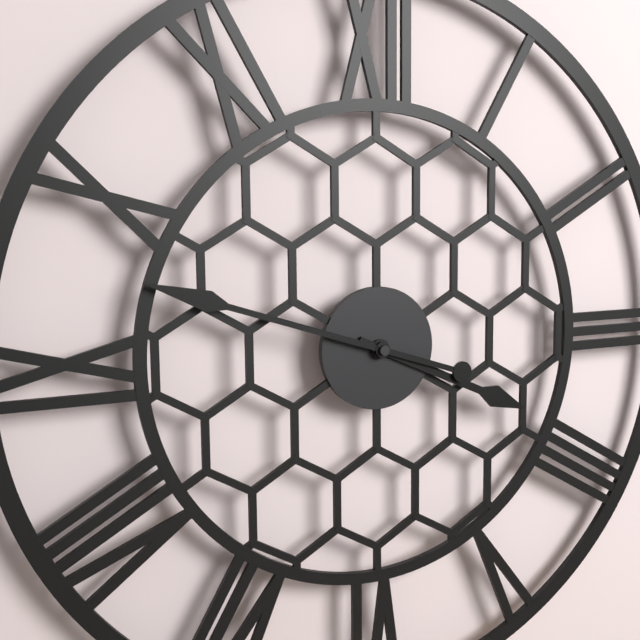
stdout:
{"hour": 3, "minute": 48}
